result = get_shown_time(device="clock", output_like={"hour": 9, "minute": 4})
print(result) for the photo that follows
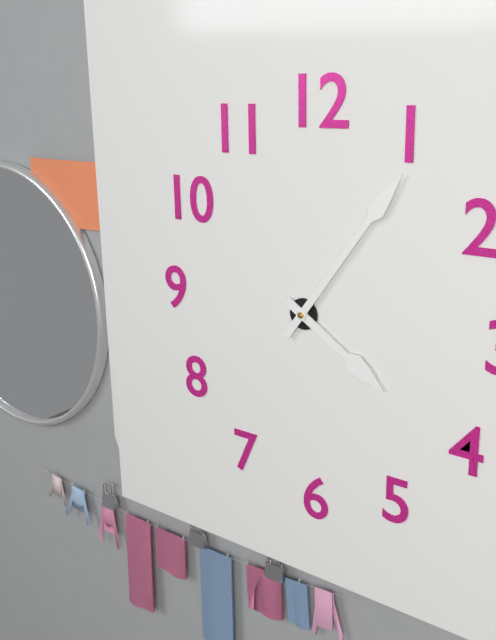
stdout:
{"hour": 4, "minute": 6}
